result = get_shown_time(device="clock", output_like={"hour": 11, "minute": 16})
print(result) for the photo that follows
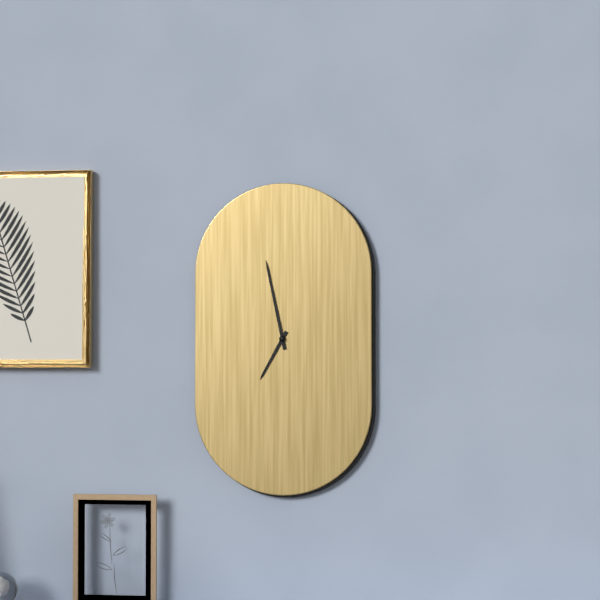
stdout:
{"hour": 6, "minute": 58}
